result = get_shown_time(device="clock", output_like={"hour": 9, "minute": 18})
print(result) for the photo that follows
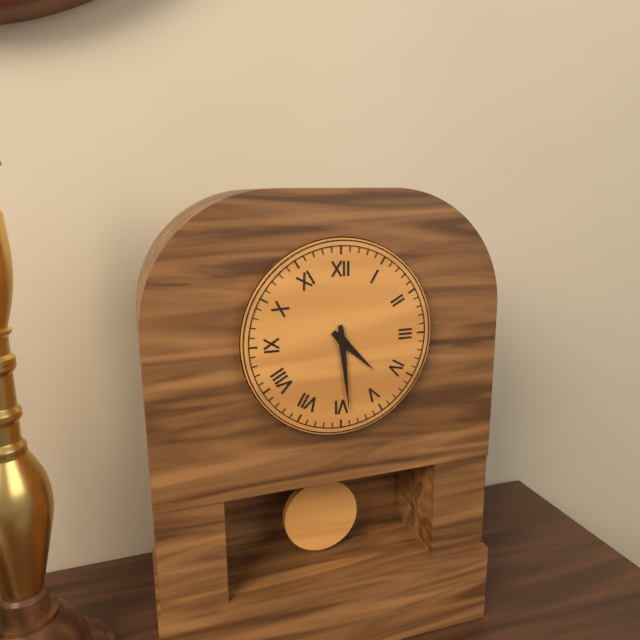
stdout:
{"hour": 4, "minute": 29}
